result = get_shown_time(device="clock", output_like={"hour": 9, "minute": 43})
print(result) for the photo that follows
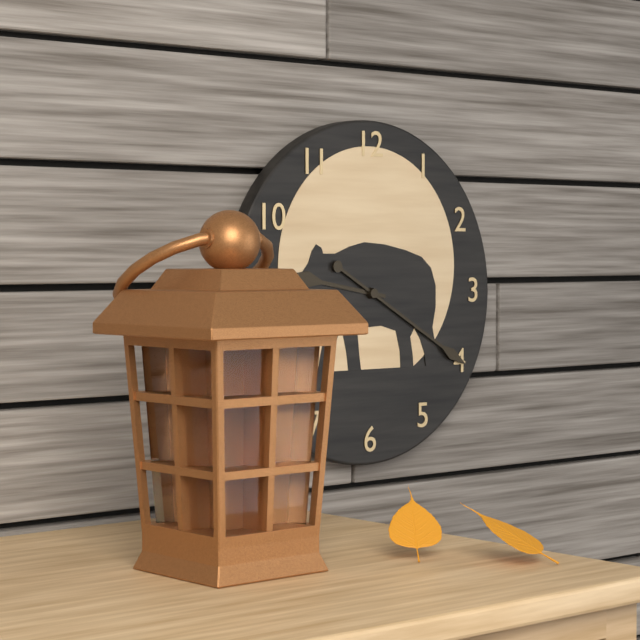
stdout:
{"hour": 9, "minute": 20}
